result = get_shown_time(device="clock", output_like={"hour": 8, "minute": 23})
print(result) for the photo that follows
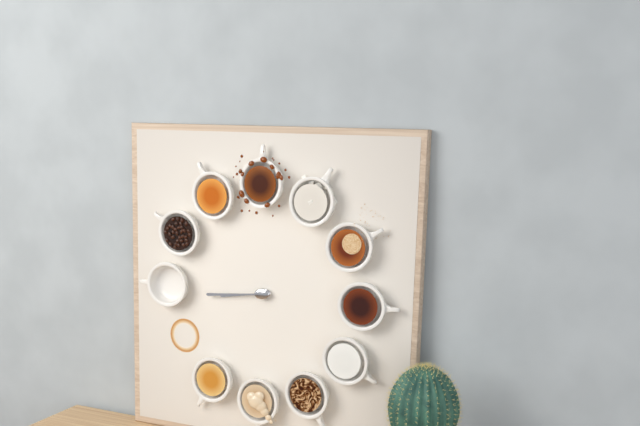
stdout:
{"hour": 8, "minute": 44}
